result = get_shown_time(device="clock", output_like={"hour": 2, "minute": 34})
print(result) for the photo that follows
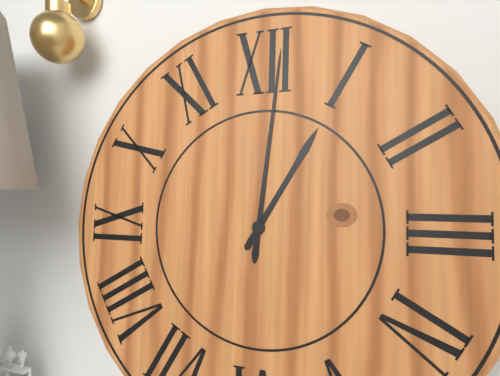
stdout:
{"hour": 1, "minute": 1}
